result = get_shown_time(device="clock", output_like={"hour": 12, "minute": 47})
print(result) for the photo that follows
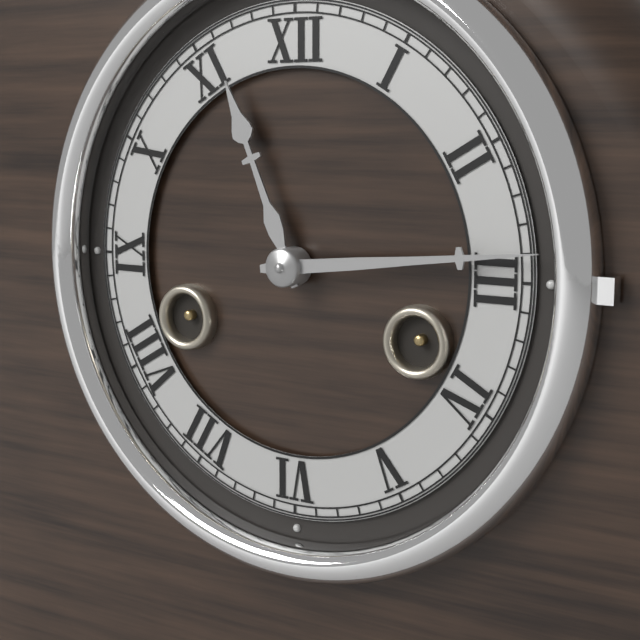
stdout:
{"hour": 11, "minute": 14}
